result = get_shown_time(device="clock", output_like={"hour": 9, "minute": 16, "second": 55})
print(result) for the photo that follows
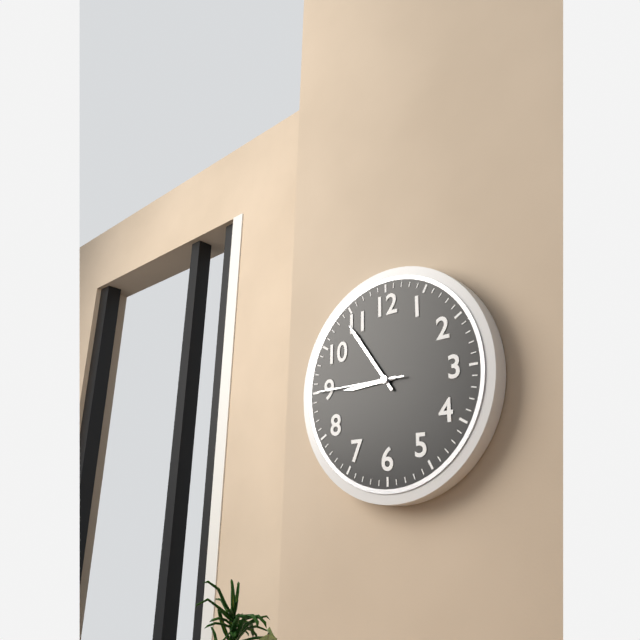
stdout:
{"hour": 8, "minute": 54, "second": 45}
